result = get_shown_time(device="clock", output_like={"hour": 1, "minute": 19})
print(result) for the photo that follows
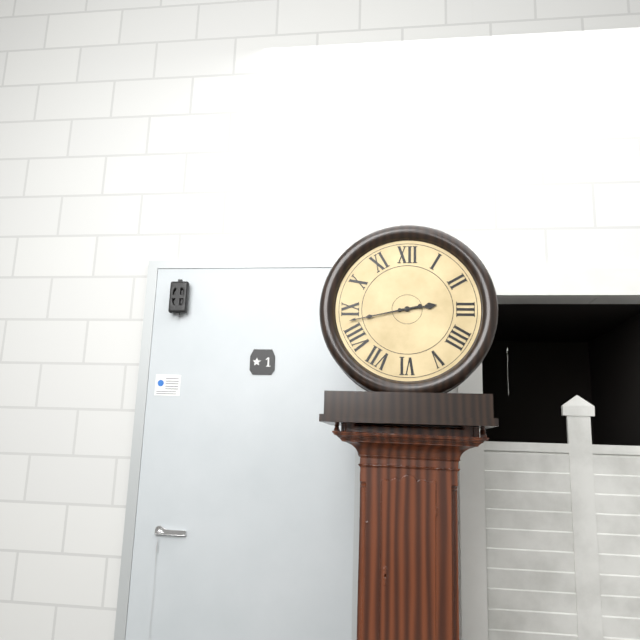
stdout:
{"hour": 2, "minute": 43}
